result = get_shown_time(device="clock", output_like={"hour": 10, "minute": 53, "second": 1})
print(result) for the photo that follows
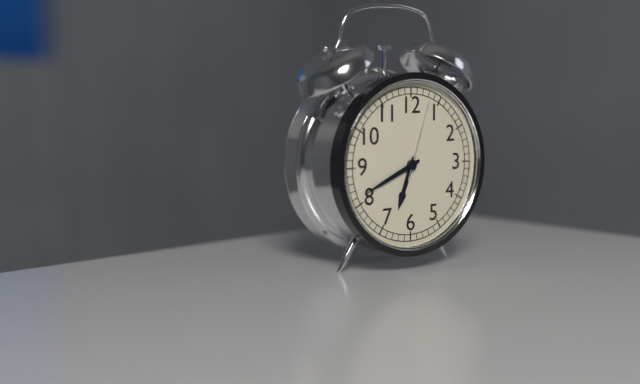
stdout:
{"hour": 6, "minute": 41, "second": 3}
